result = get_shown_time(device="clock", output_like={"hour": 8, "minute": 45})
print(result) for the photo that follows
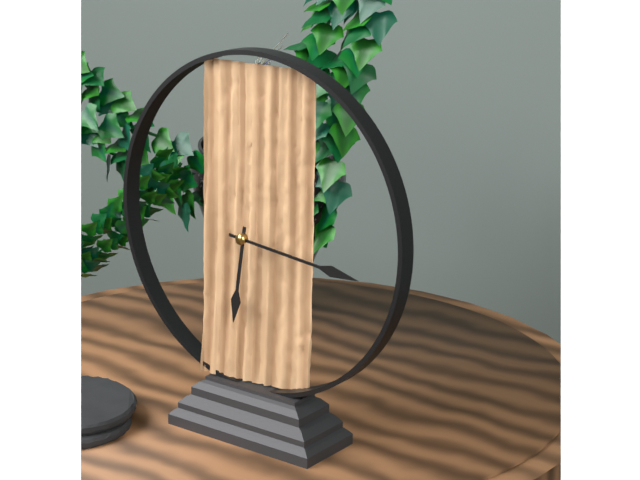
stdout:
{"hour": 6, "minute": 16}
